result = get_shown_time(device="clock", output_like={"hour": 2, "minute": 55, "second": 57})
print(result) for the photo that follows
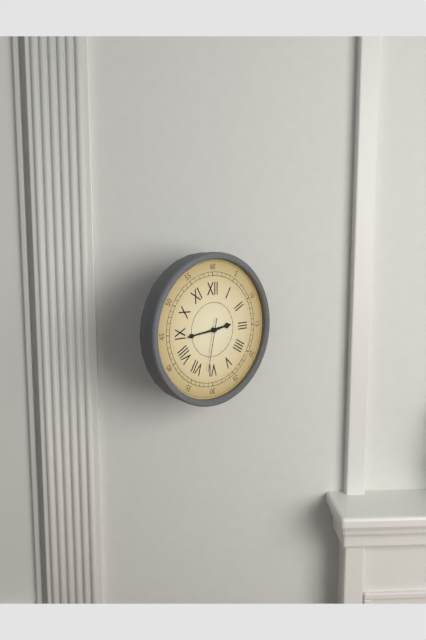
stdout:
{"hour": 2, "minute": 44, "second": 32}
